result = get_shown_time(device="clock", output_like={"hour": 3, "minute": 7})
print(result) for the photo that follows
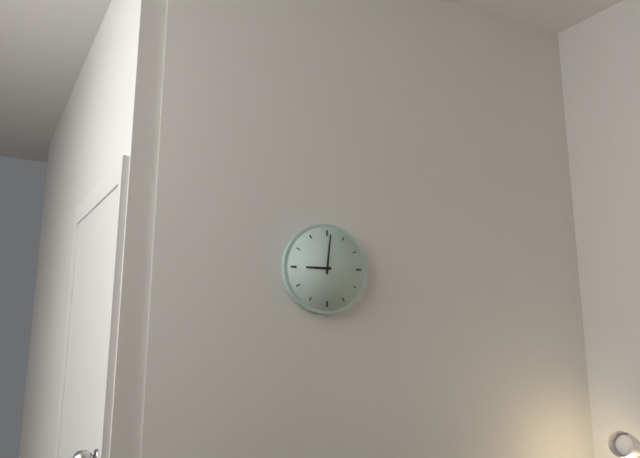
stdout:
{"hour": 9, "minute": 1}
